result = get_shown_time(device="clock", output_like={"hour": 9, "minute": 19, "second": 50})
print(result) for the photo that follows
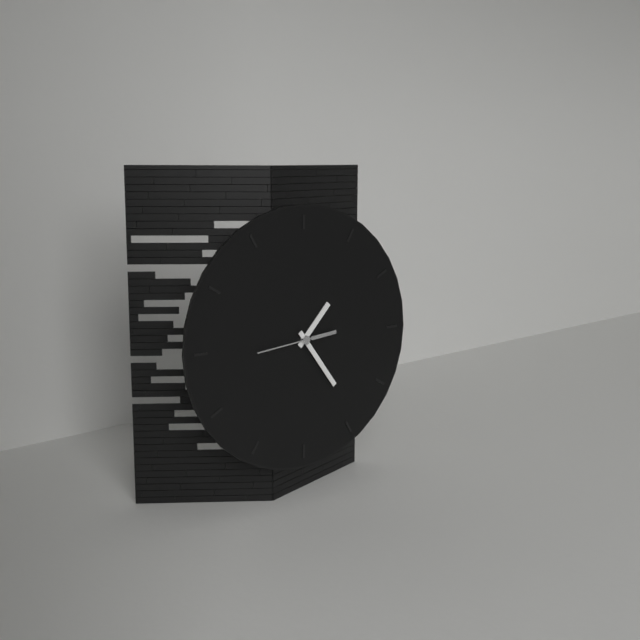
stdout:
{"hour": 1, "minute": 24, "second": 44}
